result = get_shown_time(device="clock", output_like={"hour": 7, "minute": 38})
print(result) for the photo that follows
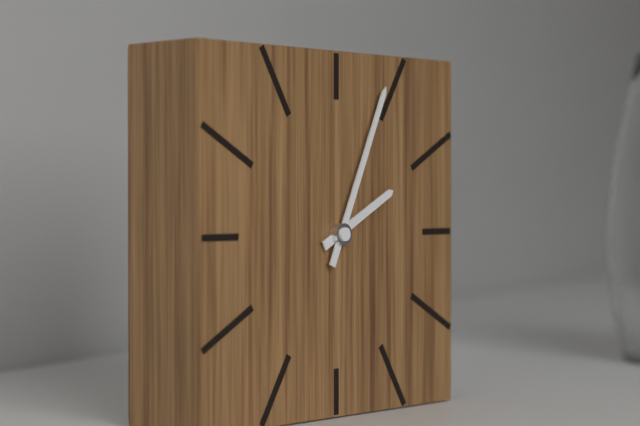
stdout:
{"hour": 2, "minute": 4}
